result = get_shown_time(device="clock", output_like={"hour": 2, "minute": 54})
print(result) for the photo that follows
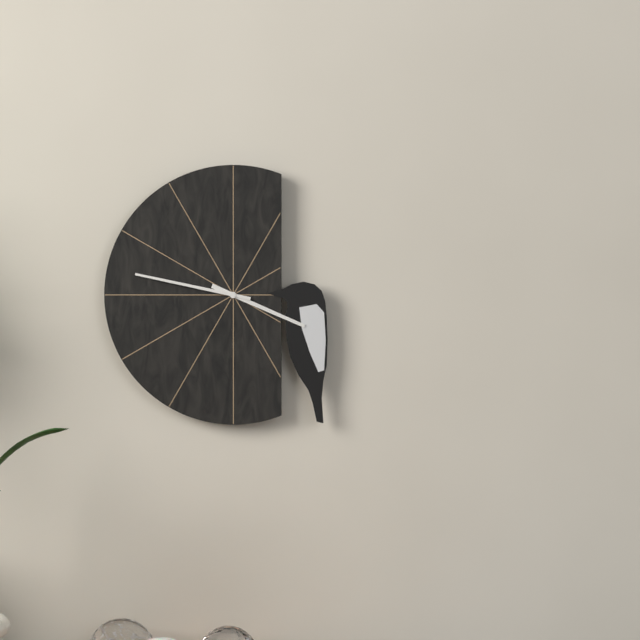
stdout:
{"hour": 3, "minute": 47}
